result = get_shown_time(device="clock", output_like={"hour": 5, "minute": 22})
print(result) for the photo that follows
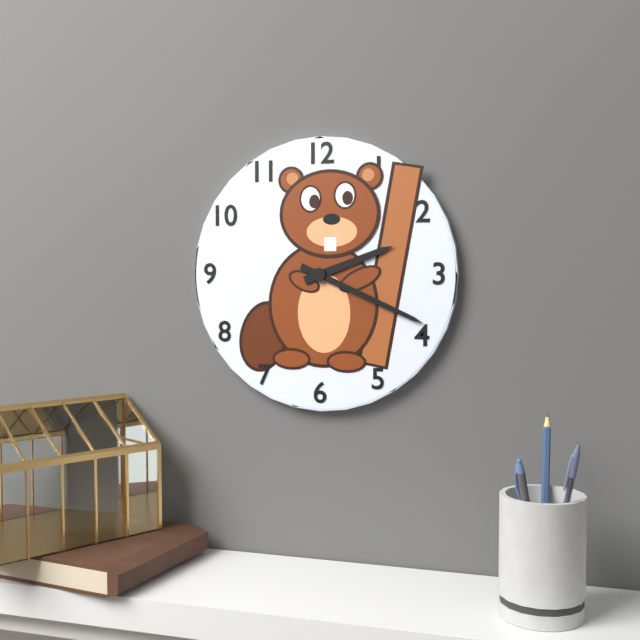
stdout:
{"hour": 2, "minute": 19}
